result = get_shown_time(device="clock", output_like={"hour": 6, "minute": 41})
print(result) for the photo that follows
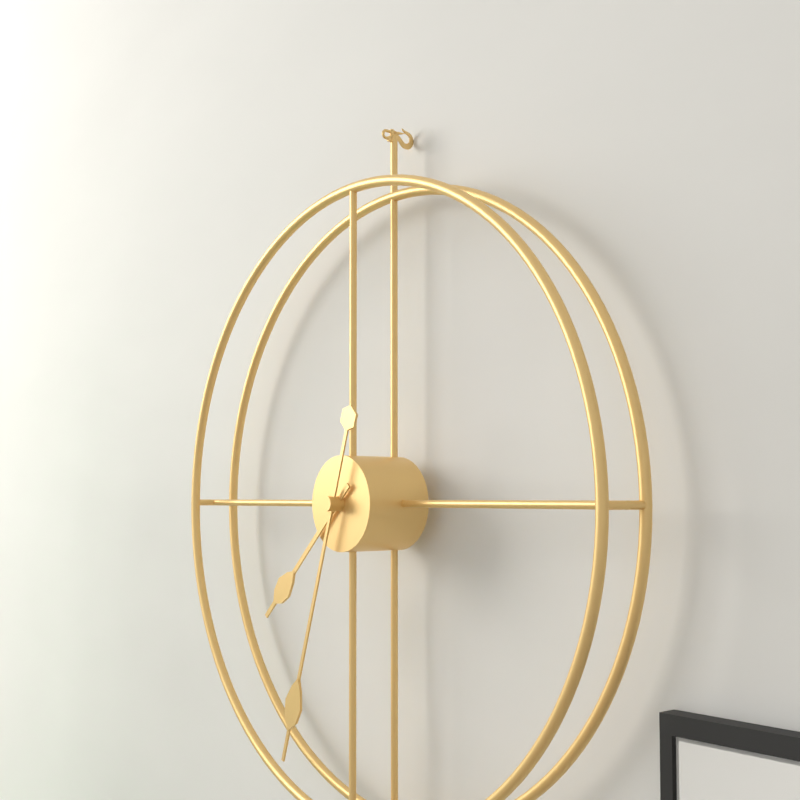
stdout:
{"hour": 7, "minute": 33}
